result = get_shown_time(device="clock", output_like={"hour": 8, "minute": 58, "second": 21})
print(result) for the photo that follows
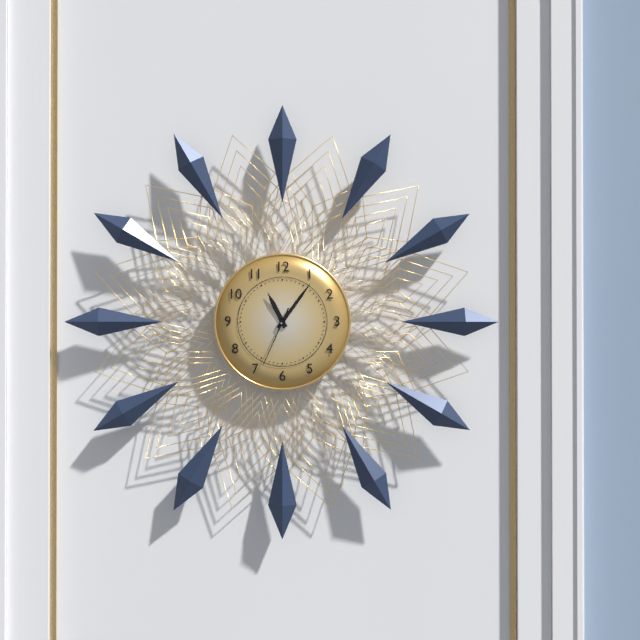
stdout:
{"hour": 11, "minute": 6, "second": 34}
